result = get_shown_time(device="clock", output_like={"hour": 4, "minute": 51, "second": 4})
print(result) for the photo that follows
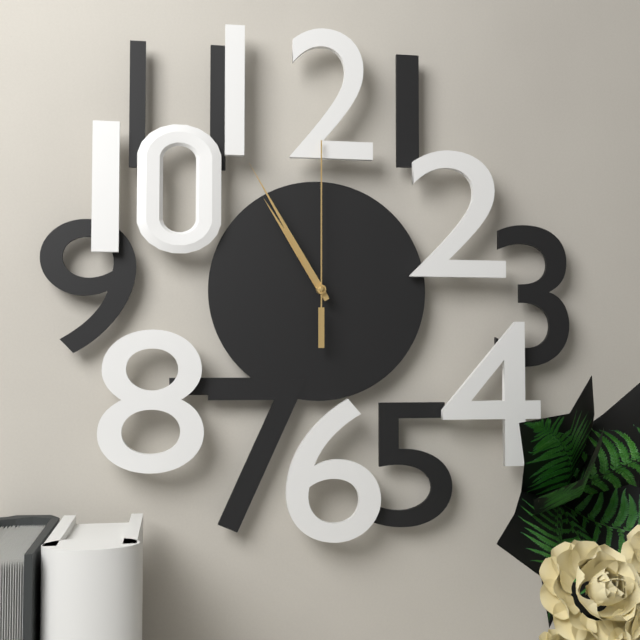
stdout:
{"hour": 10, "minute": 55, "second": 0}
